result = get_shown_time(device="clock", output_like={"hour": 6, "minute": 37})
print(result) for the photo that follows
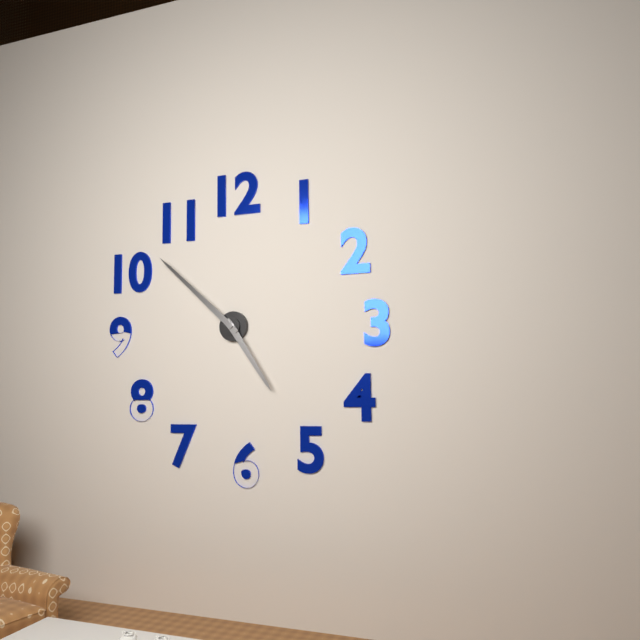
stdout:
{"hour": 4, "minute": 52}
